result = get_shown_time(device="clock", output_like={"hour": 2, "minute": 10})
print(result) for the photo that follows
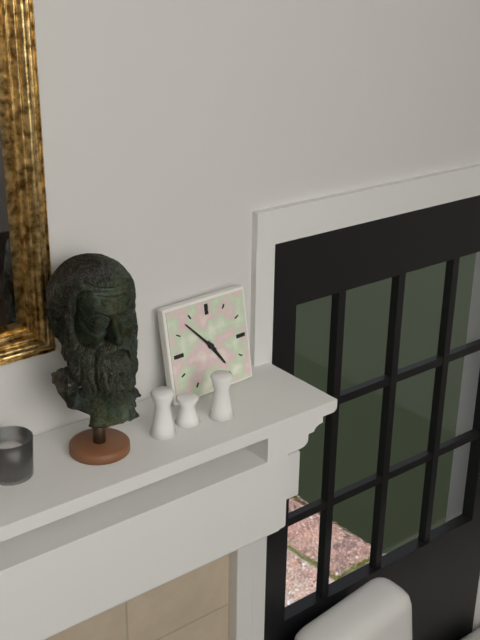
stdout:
{"hour": 4, "minute": 53}
